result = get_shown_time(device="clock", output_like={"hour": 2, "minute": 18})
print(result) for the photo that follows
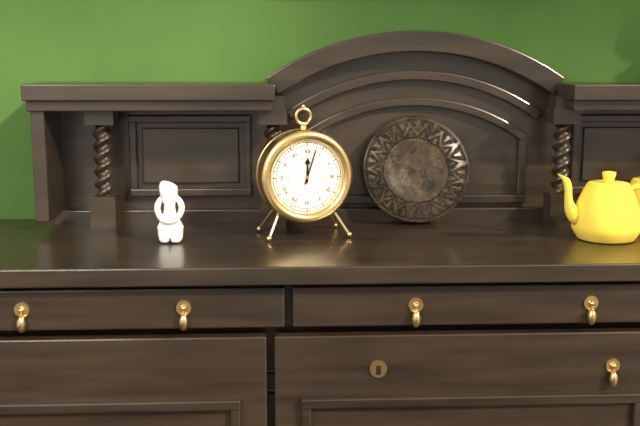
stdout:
{"hour": 12, "minute": 3}
